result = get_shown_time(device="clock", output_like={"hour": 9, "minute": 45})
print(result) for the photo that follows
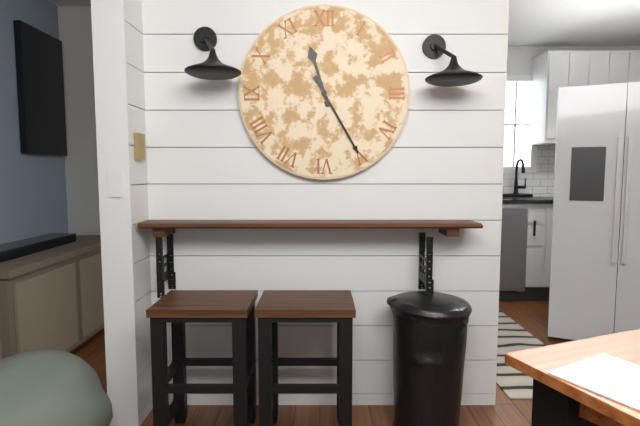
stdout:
{"hour": 11, "minute": 25}
